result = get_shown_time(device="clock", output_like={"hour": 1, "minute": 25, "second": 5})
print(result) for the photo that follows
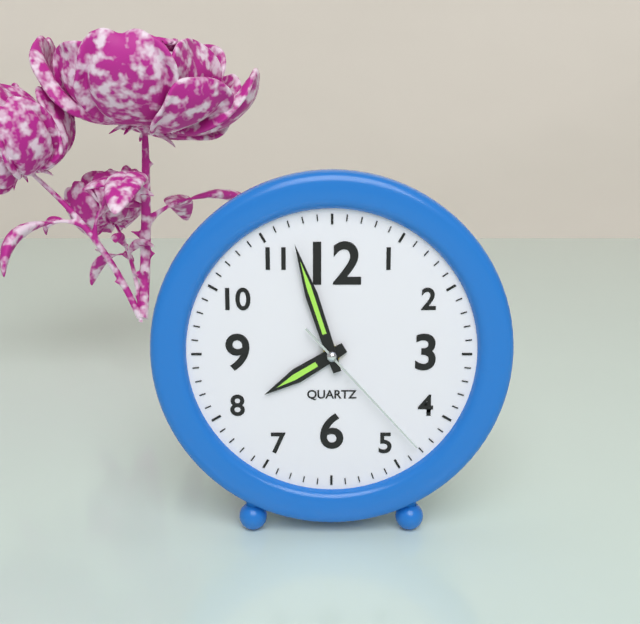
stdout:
{"hour": 7, "minute": 57, "second": 23}
